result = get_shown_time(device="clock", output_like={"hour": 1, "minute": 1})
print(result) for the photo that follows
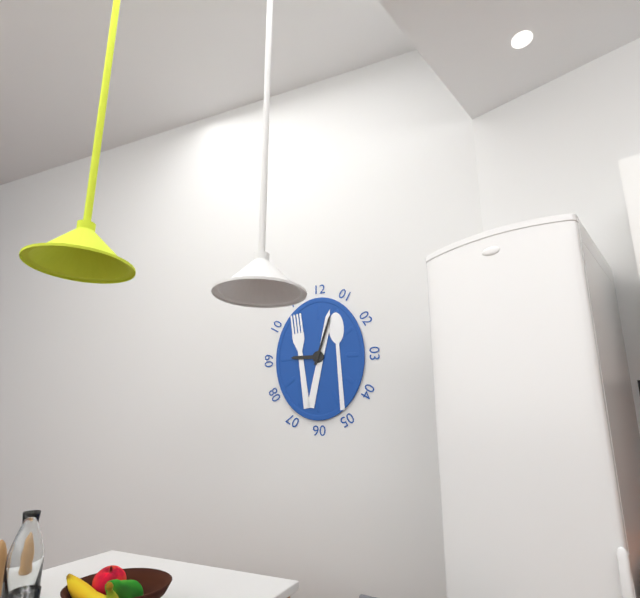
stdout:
{"hour": 9, "minute": 3}
